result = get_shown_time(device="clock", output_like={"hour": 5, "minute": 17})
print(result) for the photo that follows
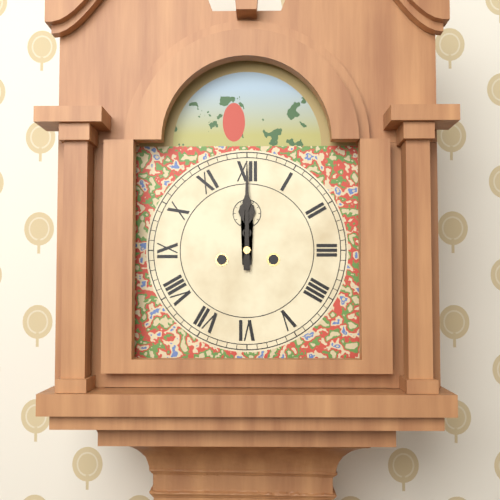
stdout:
{"hour": 12, "minute": 0}
